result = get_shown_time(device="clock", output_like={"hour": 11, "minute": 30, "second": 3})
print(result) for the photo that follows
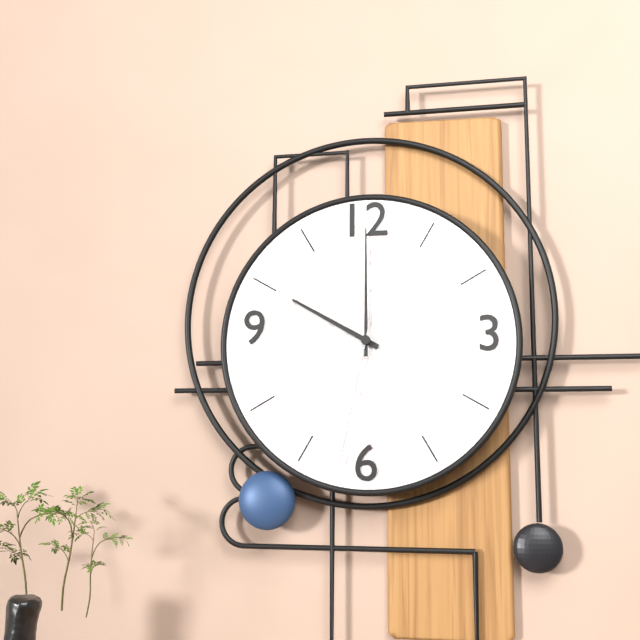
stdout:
{"hour": 10, "minute": 0, "second": 32}
